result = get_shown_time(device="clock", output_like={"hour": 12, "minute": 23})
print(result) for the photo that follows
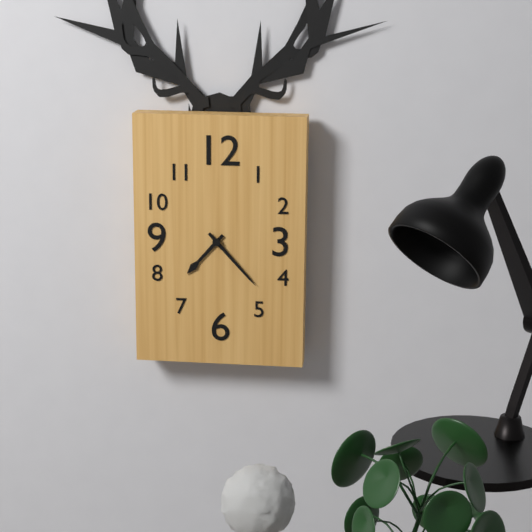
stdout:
{"hour": 7, "minute": 23}
